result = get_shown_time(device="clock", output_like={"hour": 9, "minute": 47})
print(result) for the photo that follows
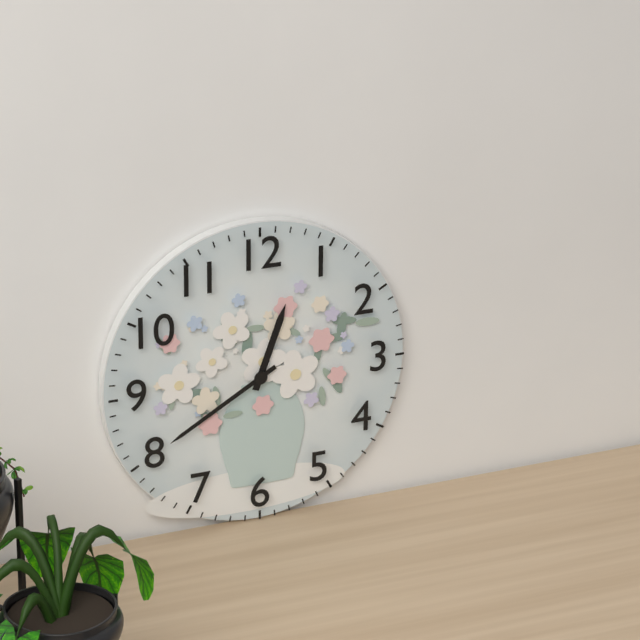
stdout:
{"hour": 12, "minute": 40}
